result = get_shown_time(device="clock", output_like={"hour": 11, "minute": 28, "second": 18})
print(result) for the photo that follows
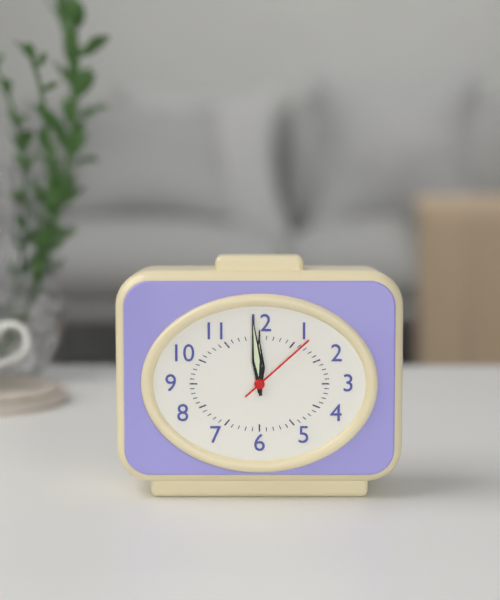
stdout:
{"hour": 11, "minute": 59, "second": 8}
